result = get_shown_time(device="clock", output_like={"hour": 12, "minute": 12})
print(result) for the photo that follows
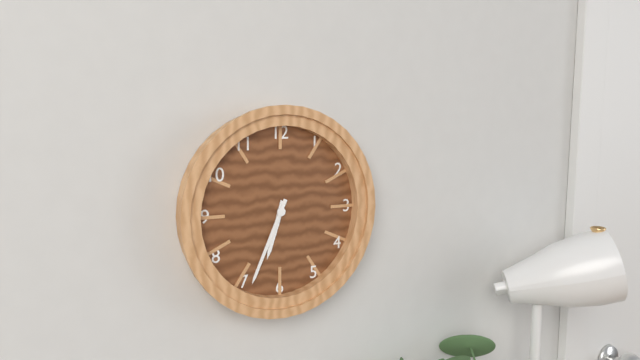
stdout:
{"hour": 6, "minute": 34}
